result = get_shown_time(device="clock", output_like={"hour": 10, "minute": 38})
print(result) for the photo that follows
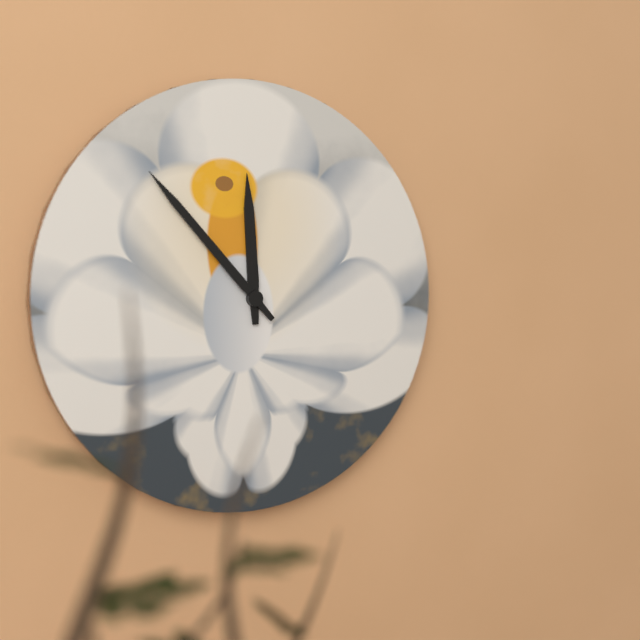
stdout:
{"hour": 11, "minute": 53}
